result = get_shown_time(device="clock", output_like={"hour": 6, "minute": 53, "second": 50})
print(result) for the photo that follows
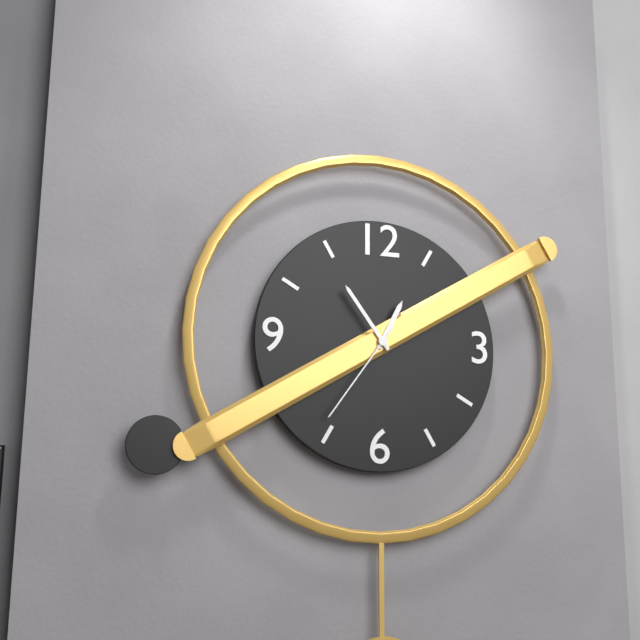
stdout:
{"hour": 12, "minute": 54, "second": 36}
